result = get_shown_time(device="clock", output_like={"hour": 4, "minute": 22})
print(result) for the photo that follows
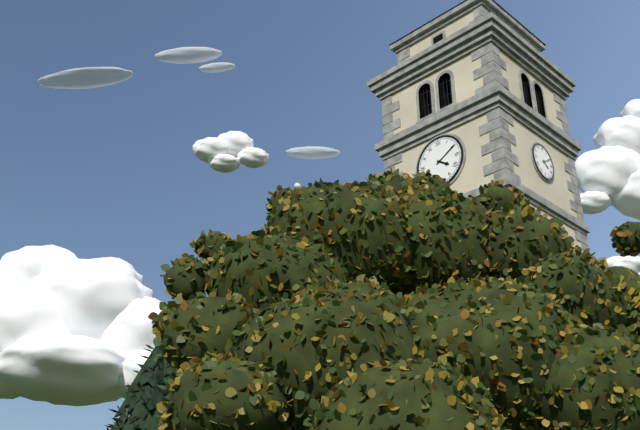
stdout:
{"hour": 4, "minute": 10}
